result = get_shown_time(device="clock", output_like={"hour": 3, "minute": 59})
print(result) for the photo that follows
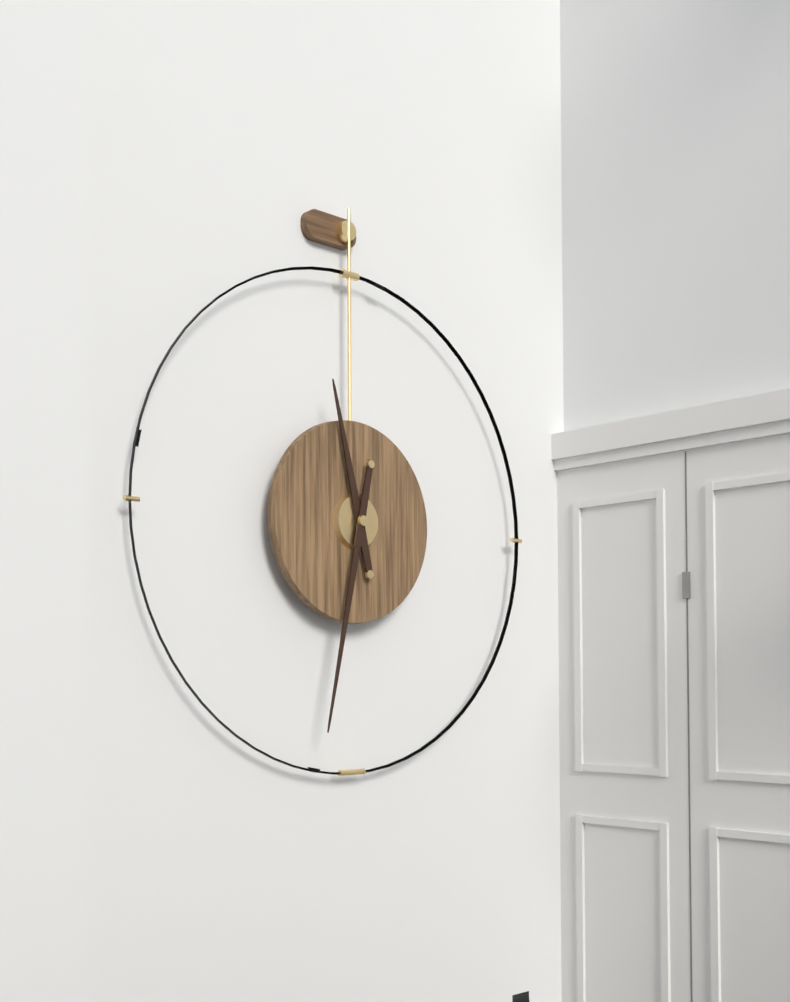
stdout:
{"hour": 11, "minute": 32}
